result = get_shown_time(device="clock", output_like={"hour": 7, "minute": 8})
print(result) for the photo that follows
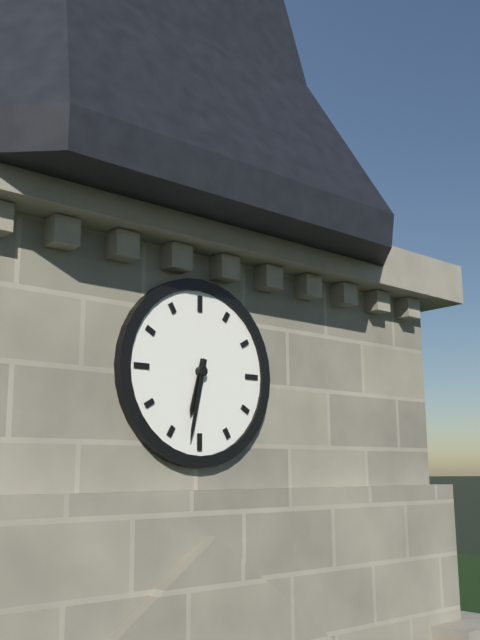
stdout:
{"hour": 6, "minute": 32}
